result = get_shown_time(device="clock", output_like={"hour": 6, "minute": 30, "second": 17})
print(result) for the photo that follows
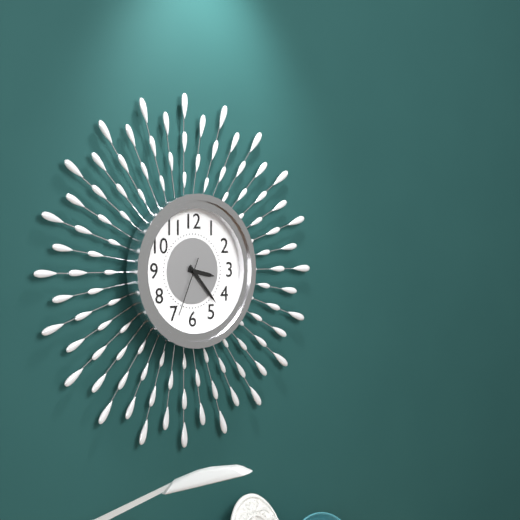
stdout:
{"hour": 3, "minute": 23, "second": 34}
